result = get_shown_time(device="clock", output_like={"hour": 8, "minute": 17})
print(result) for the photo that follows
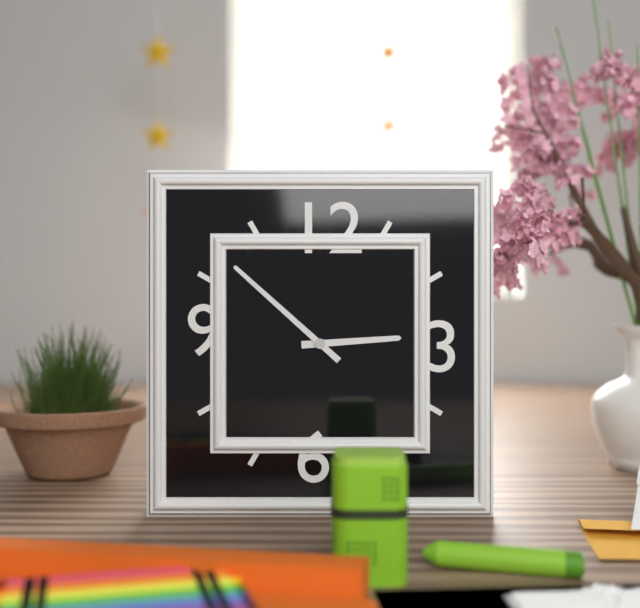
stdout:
{"hour": 2, "minute": 52}
